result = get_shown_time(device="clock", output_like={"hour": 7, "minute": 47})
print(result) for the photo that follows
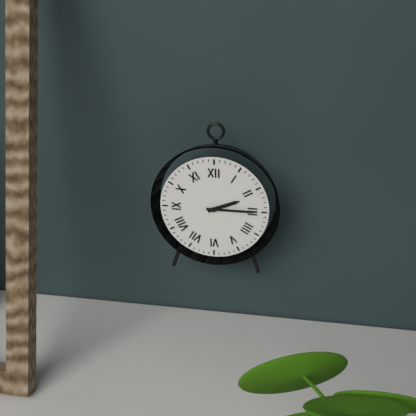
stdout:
{"hour": 2, "minute": 15}
